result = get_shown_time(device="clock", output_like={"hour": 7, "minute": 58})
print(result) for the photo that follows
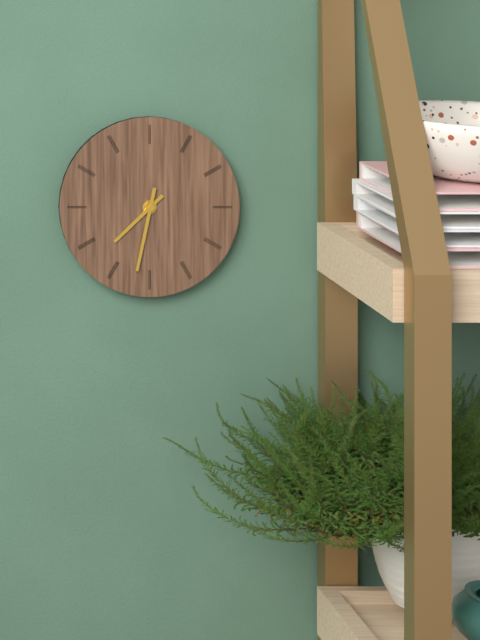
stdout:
{"hour": 7, "minute": 32}
